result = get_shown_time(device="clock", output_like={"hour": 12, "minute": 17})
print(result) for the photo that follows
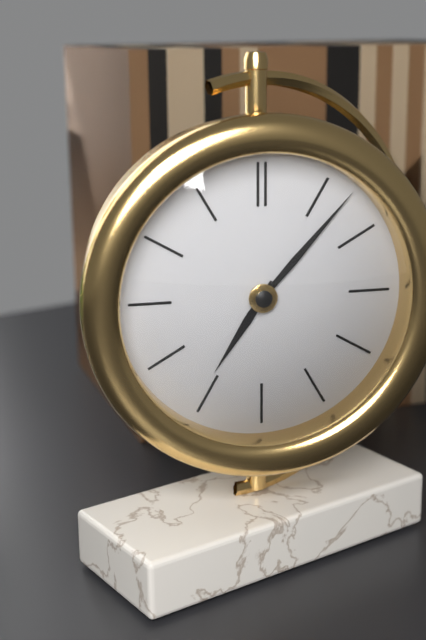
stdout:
{"hour": 7, "minute": 7}
